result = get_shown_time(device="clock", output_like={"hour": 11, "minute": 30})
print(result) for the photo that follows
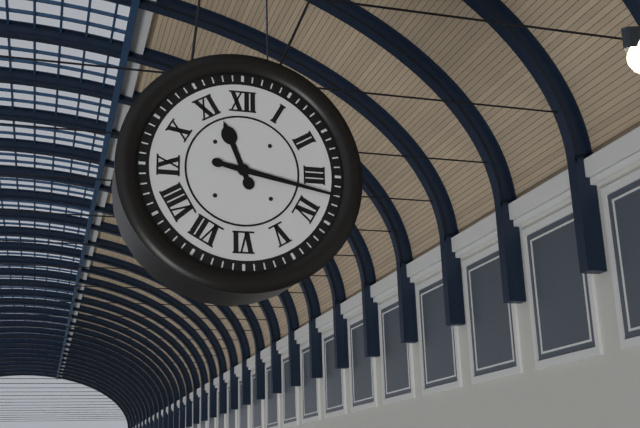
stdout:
{"hour": 11, "minute": 17}
